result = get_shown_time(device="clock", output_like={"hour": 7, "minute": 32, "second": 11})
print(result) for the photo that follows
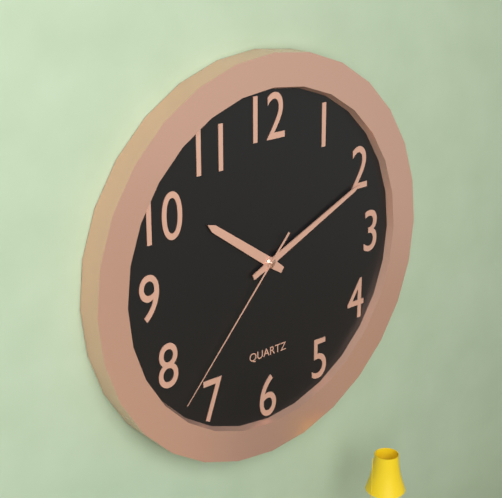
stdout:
{"hour": 10, "minute": 11, "second": 37}
